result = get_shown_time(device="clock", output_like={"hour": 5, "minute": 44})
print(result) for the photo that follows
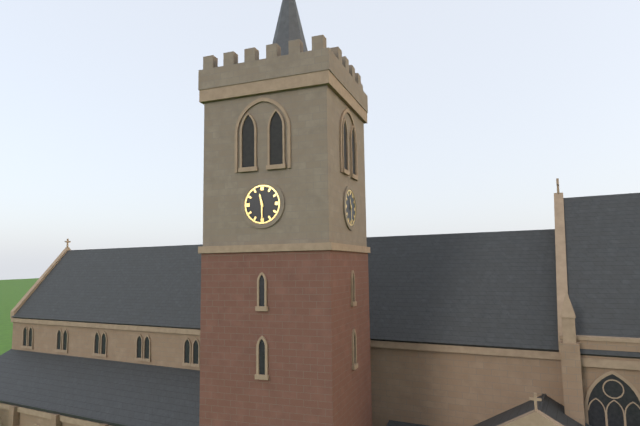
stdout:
{"hour": 11, "minute": 30}
